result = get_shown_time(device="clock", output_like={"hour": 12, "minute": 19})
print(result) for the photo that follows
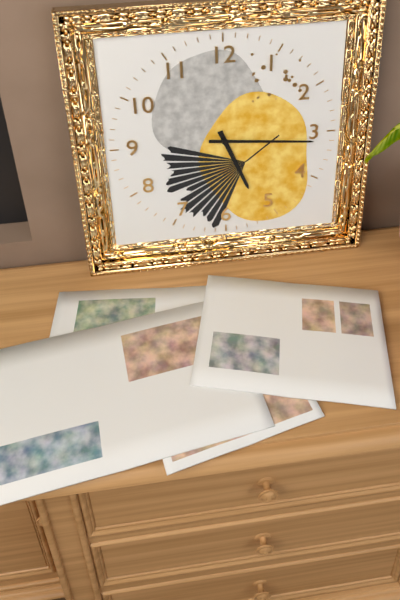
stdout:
{"hour": 5, "minute": 16}
